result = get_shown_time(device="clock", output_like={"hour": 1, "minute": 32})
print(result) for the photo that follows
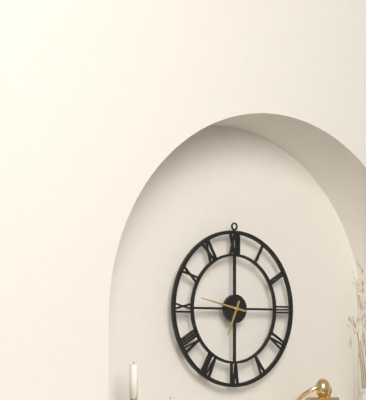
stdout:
{"hour": 6, "minute": 47}
